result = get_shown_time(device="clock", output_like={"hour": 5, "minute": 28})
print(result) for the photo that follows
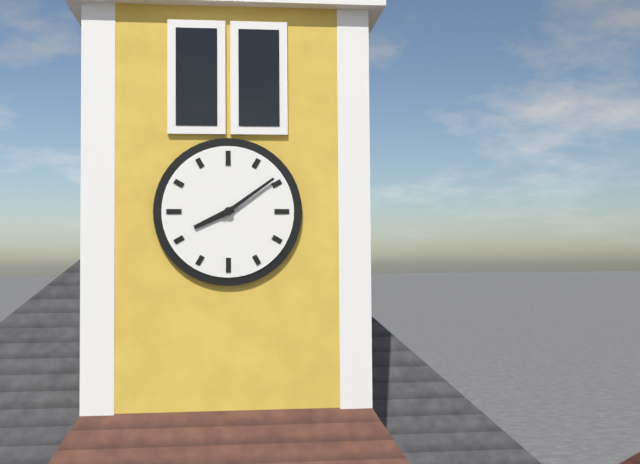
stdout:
{"hour": 8, "minute": 9}
